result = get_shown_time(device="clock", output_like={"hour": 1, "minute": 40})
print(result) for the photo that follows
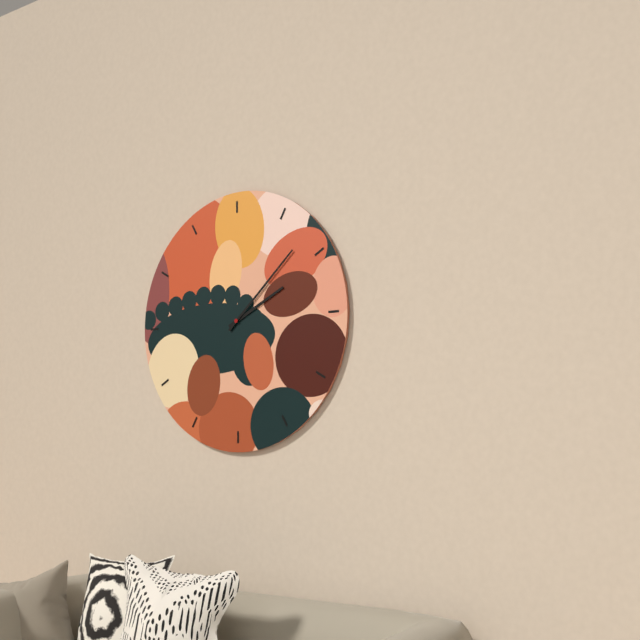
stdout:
{"hour": 2, "minute": 8}
